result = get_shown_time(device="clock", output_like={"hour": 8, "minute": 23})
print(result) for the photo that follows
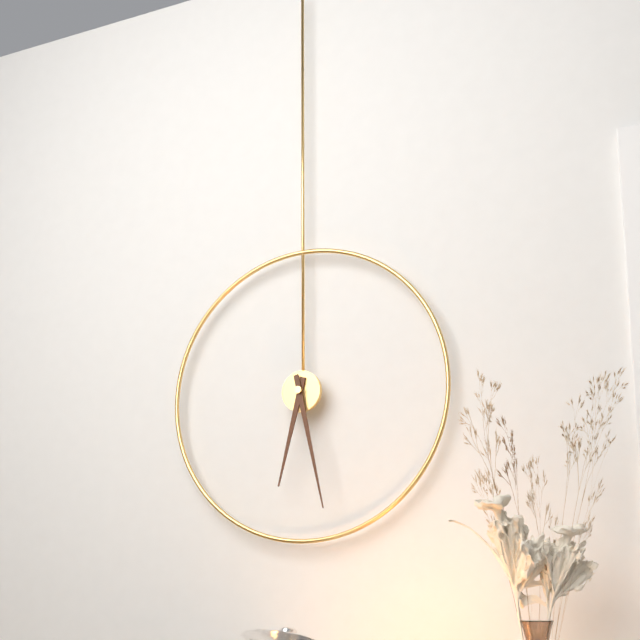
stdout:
{"hour": 6, "minute": 28}
